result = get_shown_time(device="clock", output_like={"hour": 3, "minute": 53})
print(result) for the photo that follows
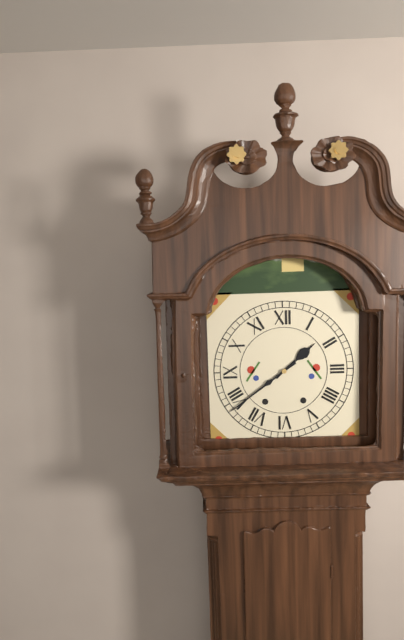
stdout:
{"hour": 1, "minute": 39}
